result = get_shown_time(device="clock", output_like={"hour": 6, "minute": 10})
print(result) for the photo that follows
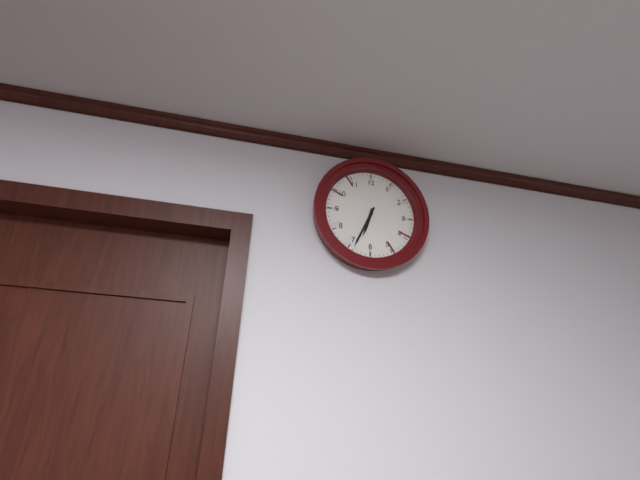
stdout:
{"hour": 6, "minute": 34}
